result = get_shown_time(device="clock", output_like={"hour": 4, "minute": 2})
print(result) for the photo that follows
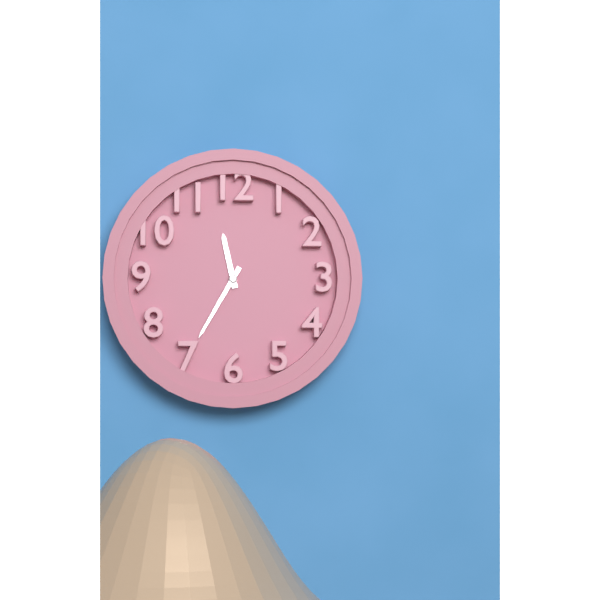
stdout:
{"hour": 11, "minute": 35}
